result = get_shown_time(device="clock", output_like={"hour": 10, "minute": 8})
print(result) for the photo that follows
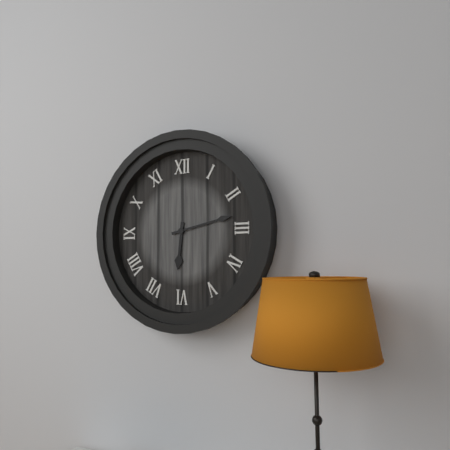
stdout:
{"hour": 6, "minute": 13}
